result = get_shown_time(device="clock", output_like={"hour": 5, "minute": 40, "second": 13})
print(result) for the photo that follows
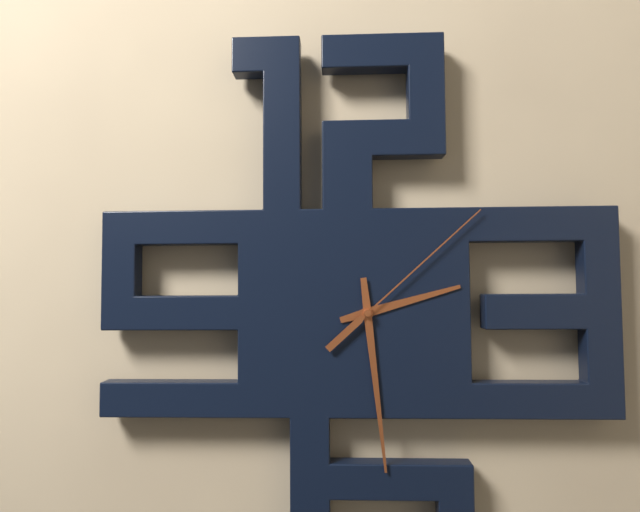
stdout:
{"hour": 2, "minute": 29, "second": 8}
